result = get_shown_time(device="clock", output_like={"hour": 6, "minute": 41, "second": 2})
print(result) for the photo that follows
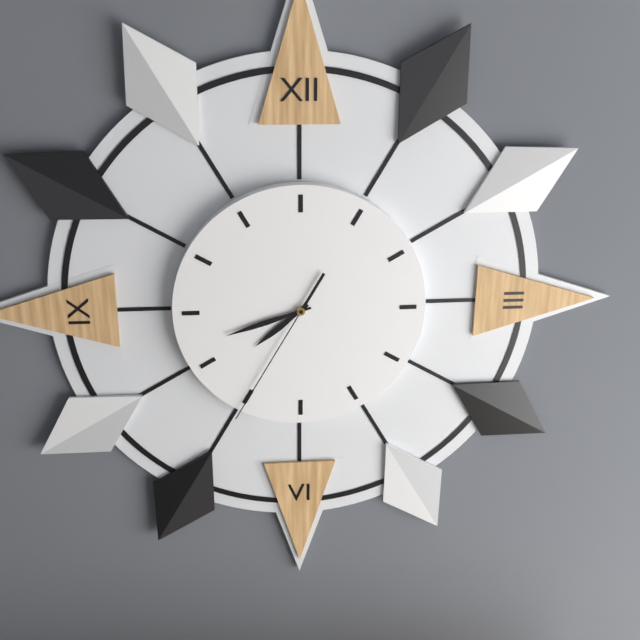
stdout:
{"hour": 7, "minute": 42, "second": 35}
